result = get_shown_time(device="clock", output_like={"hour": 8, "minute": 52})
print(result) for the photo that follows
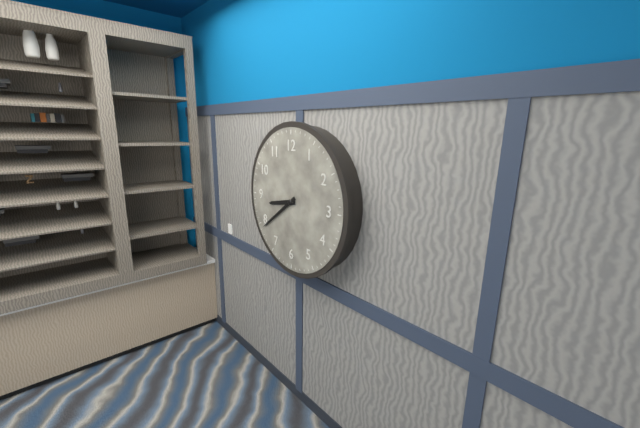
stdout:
{"hour": 8, "minute": 39}
